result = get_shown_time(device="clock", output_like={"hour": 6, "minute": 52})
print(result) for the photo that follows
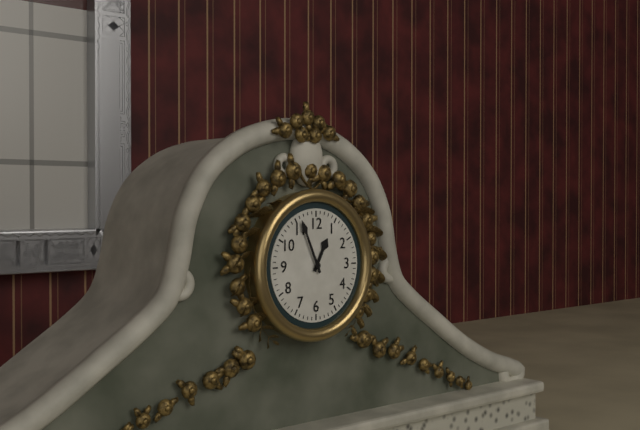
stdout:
{"hour": 12, "minute": 56}
